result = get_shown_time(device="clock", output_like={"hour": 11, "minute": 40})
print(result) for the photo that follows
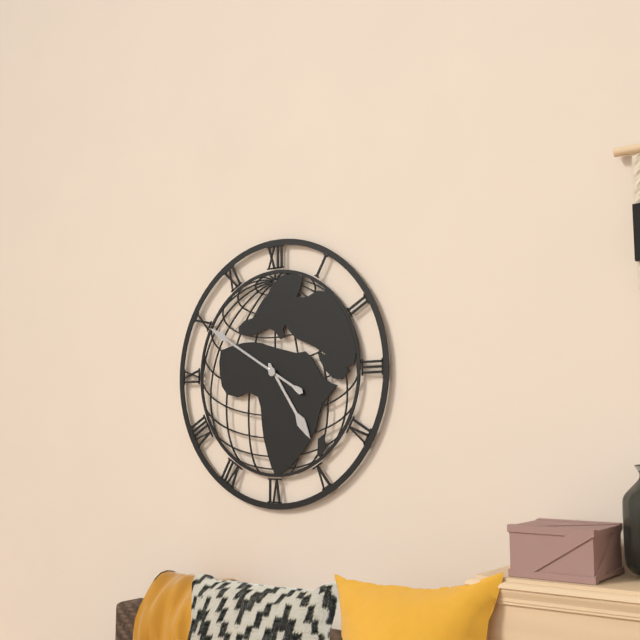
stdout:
{"hour": 4, "minute": 50}
